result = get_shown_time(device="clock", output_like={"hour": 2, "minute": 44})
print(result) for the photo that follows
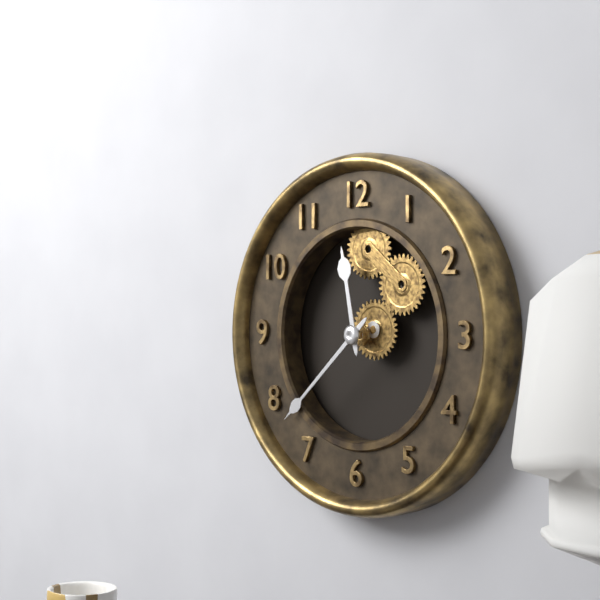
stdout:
{"hour": 11, "minute": 38}
